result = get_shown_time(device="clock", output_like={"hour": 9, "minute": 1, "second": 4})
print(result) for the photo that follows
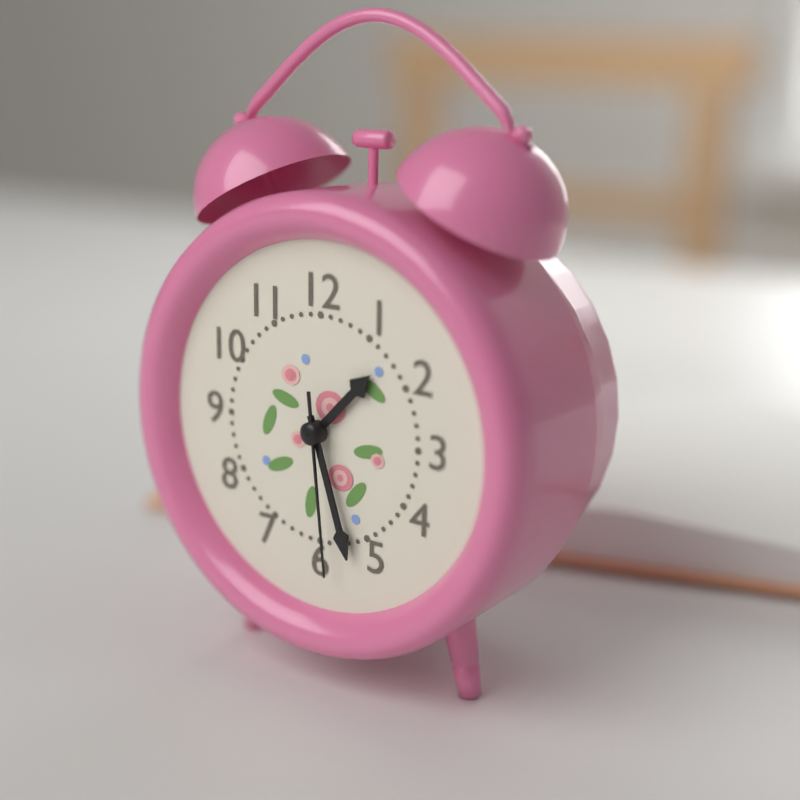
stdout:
{"hour": 1, "minute": 27, "second": 29}
